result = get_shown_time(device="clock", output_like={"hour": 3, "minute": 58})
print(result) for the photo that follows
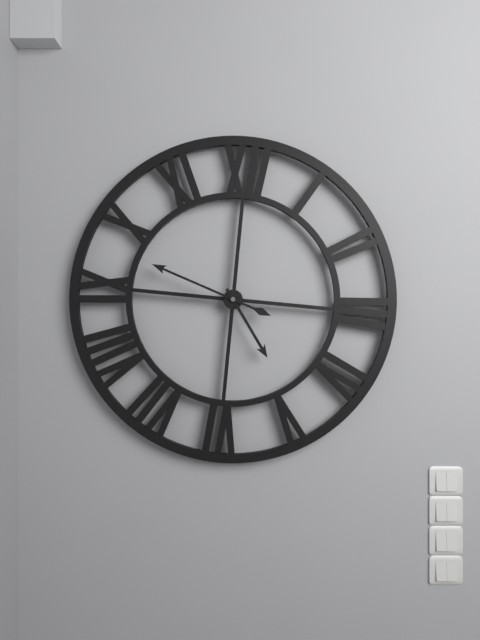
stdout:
{"hour": 4, "minute": 48}
